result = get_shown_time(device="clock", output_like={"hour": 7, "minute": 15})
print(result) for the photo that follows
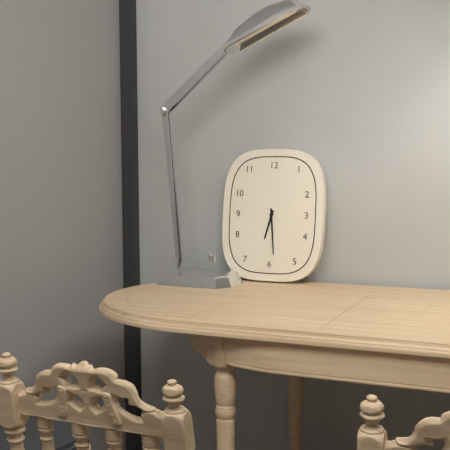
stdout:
{"hour": 6, "minute": 29}
